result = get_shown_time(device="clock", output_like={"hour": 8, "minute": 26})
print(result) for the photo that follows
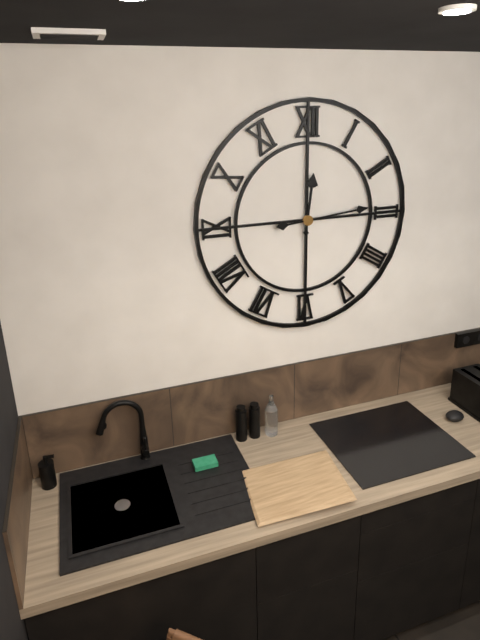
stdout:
{"hour": 12, "minute": 14}
